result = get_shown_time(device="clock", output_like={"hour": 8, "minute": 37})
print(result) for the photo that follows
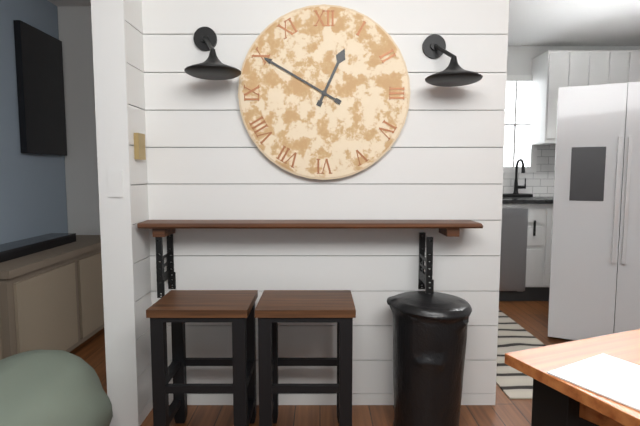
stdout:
{"hour": 12, "minute": 50}
